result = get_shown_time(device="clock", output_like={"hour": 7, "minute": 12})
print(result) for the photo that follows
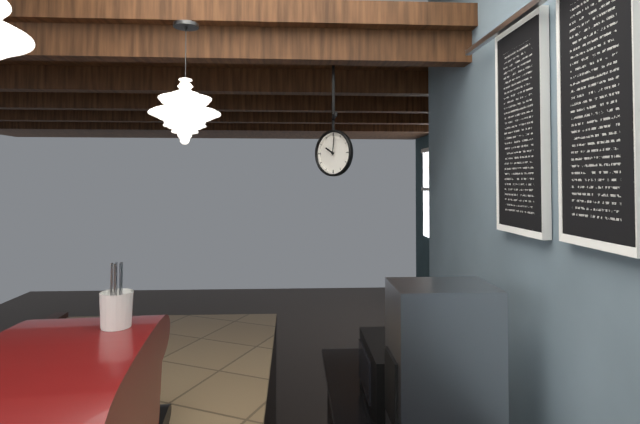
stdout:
{"hour": 10, "minute": 1}
